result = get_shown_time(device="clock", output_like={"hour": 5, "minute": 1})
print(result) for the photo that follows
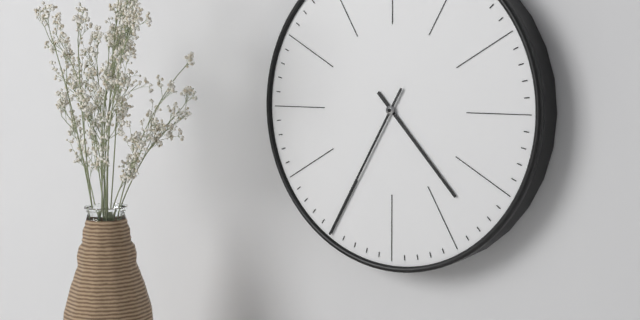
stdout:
{"hour": 4, "minute": 35}
